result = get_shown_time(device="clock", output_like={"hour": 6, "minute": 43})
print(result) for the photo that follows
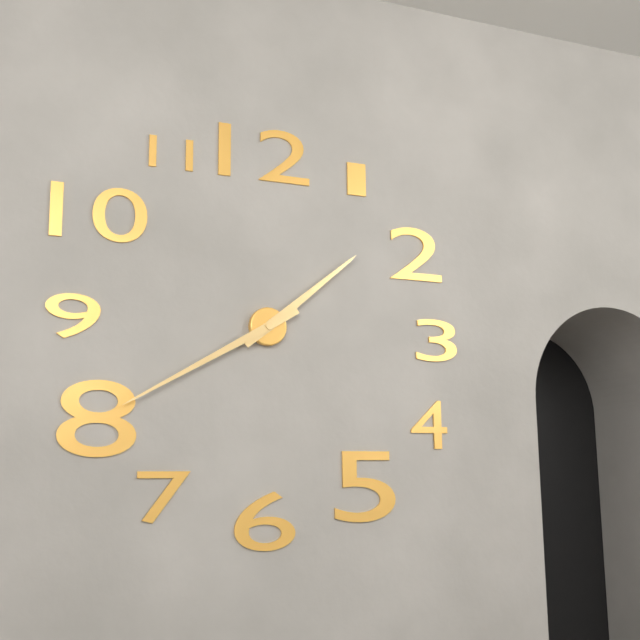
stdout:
{"hour": 1, "minute": 40}
